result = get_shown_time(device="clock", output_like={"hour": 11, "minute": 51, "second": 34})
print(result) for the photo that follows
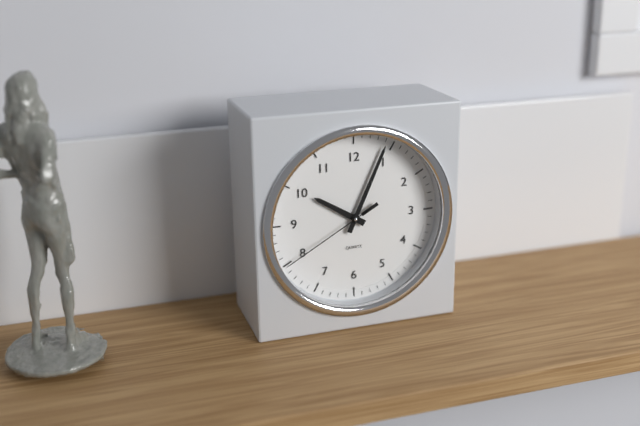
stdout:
{"hour": 10, "minute": 4, "second": 40}
